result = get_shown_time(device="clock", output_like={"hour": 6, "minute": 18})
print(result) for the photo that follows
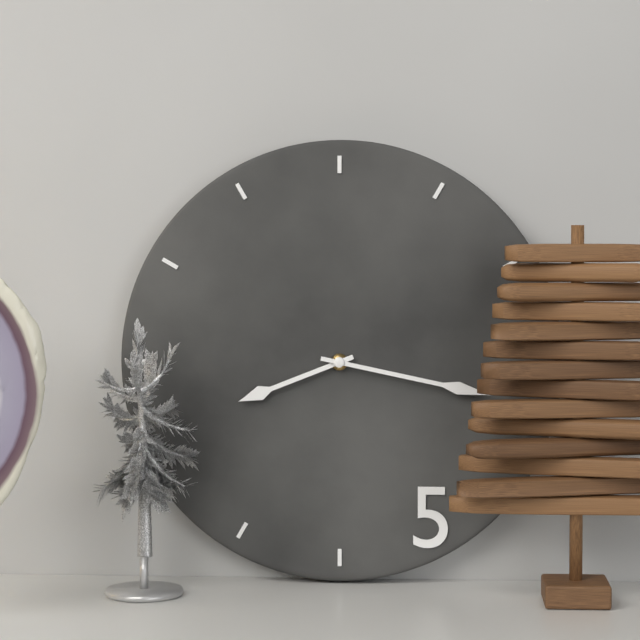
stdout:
{"hour": 8, "minute": 17}
